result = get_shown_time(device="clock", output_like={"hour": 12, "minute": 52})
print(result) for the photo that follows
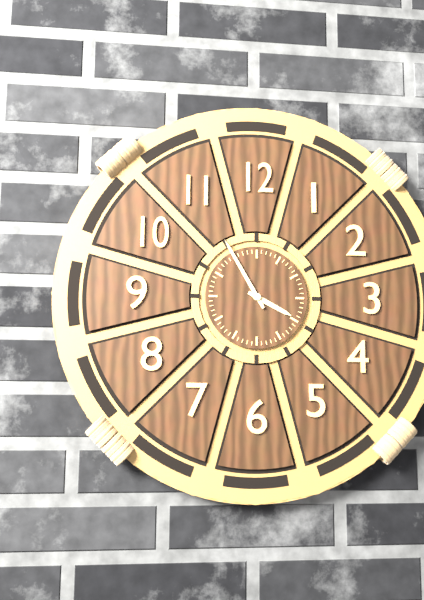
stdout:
{"hour": 3, "minute": 55}
